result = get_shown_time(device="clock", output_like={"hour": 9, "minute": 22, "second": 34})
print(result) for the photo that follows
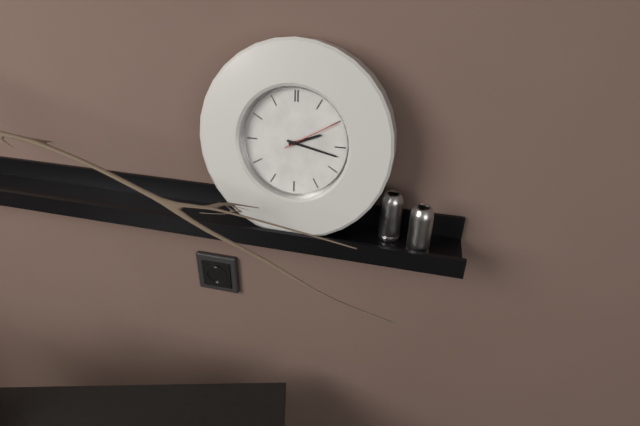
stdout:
{"hour": 2, "minute": 17, "second": 10}
